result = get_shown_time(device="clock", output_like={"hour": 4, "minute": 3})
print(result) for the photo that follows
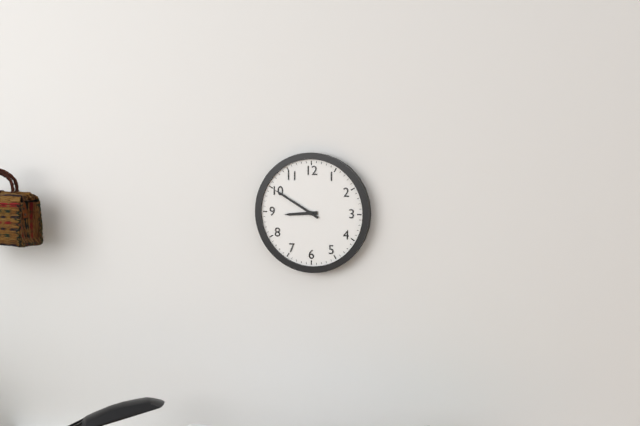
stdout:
{"hour": 8, "minute": 50}
